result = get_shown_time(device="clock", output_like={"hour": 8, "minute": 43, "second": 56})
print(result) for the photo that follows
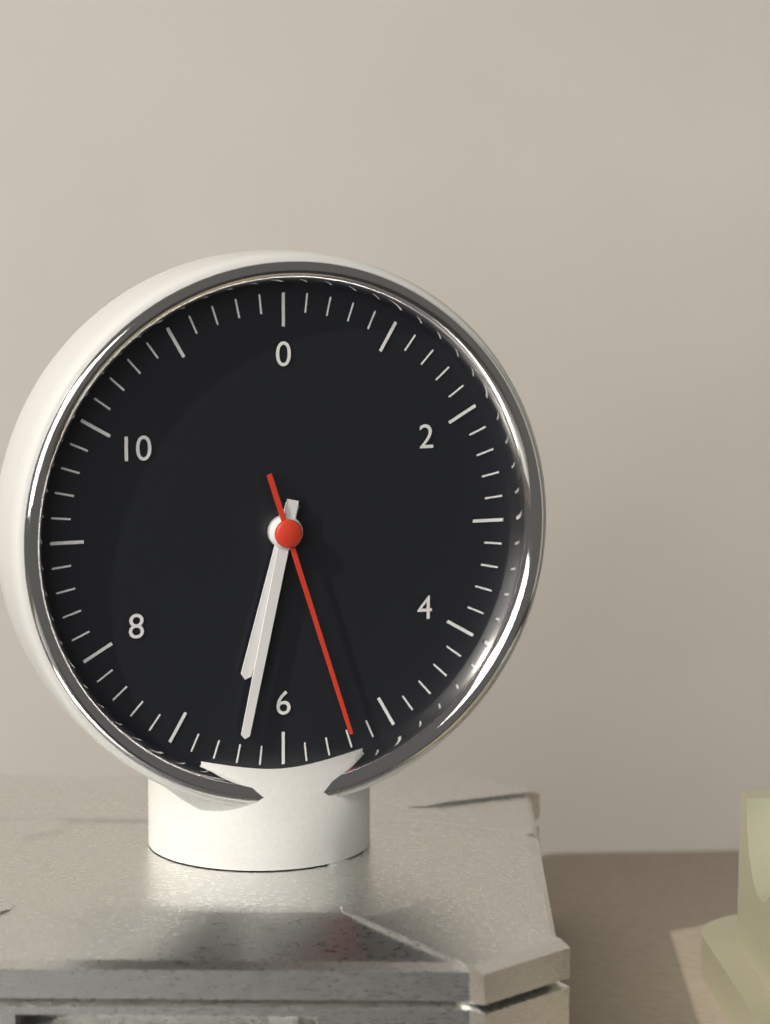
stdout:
{"hour": 6, "minute": 32, "second": 27}
